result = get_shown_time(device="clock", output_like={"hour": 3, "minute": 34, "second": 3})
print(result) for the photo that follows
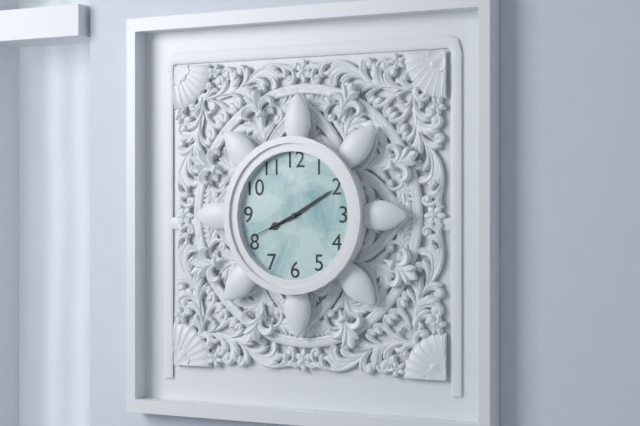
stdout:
{"hour": 8, "minute": 10, "second": 41}
